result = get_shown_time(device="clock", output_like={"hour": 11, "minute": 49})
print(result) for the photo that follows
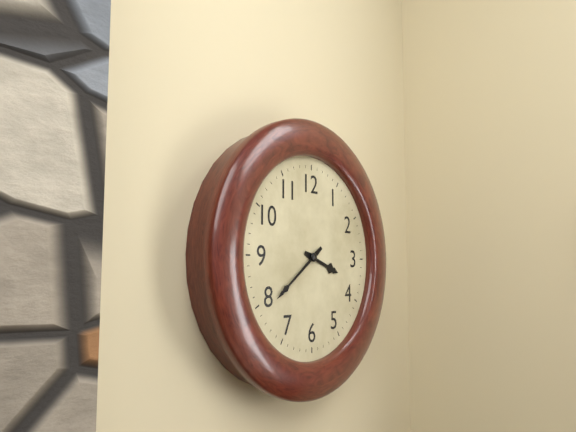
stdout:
{"hour": 3, "minute": 39}
